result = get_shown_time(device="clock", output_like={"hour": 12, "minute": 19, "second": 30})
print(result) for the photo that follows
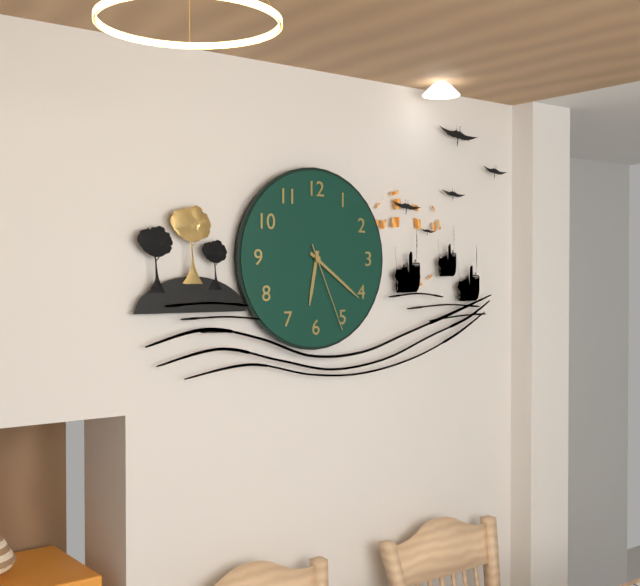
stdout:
{"hour": 6, "minute": 21, "second": 26}
